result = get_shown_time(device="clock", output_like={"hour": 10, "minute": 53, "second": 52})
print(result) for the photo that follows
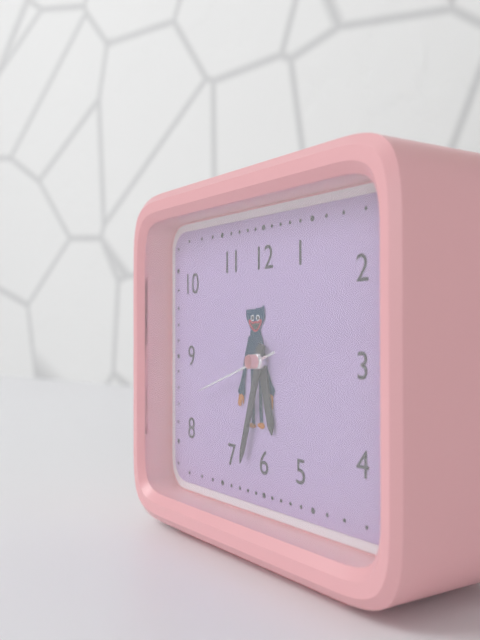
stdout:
{"hour": 5, "minute": 33, "second": 42}
